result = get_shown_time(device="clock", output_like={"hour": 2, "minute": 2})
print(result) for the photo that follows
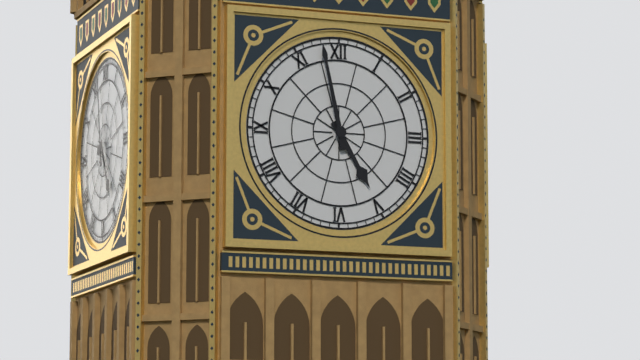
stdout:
{"hour": 4, "minute": 58}
